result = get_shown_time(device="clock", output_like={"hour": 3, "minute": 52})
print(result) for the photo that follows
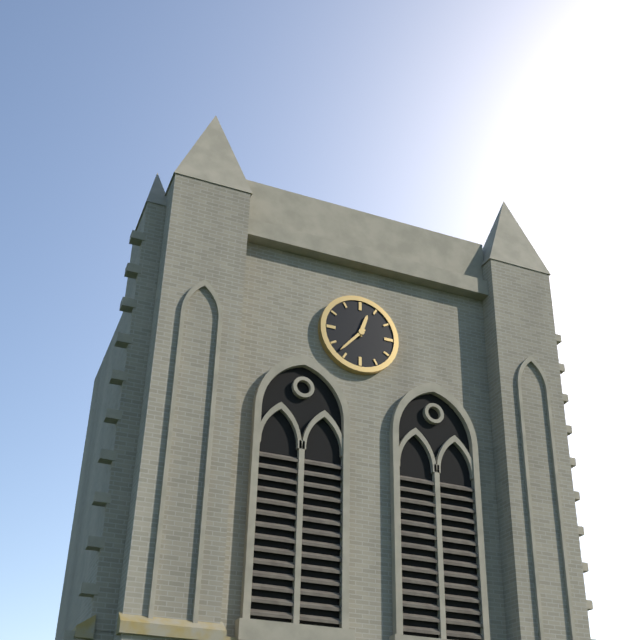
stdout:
{"hour": 12, "minute": 37}
